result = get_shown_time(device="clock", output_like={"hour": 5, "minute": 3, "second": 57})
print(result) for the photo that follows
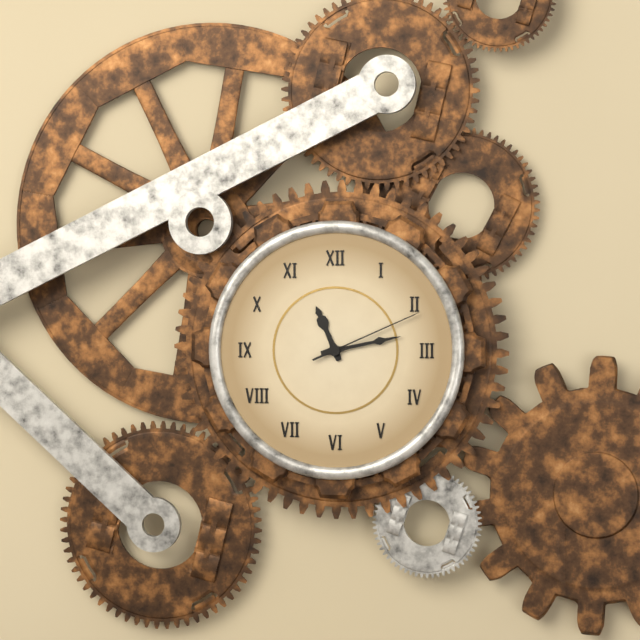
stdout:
{"hour": 11, "minute": 13, "second": 11}
